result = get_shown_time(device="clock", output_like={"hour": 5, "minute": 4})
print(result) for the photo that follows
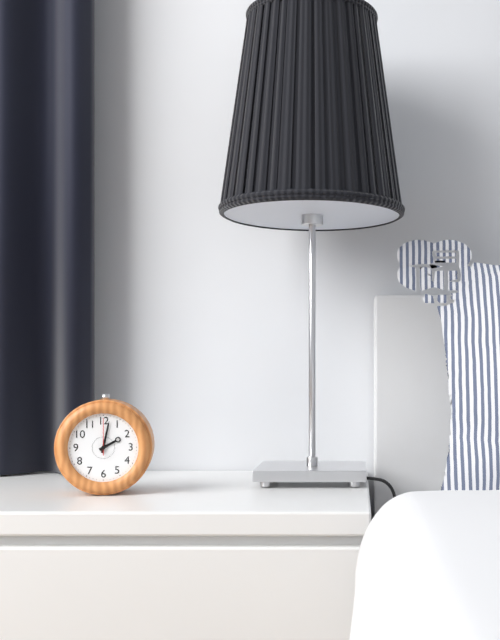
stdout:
{"hour": 2, "minute": 2}
